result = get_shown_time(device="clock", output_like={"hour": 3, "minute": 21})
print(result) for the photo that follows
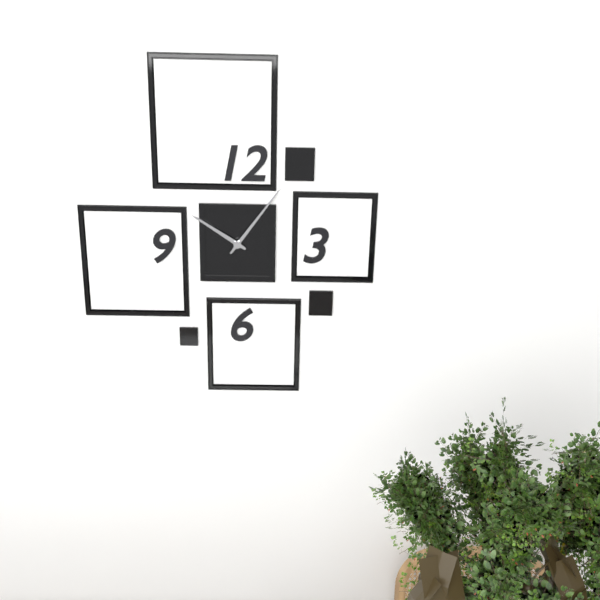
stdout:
{"hour": 10, "minute": 6}
